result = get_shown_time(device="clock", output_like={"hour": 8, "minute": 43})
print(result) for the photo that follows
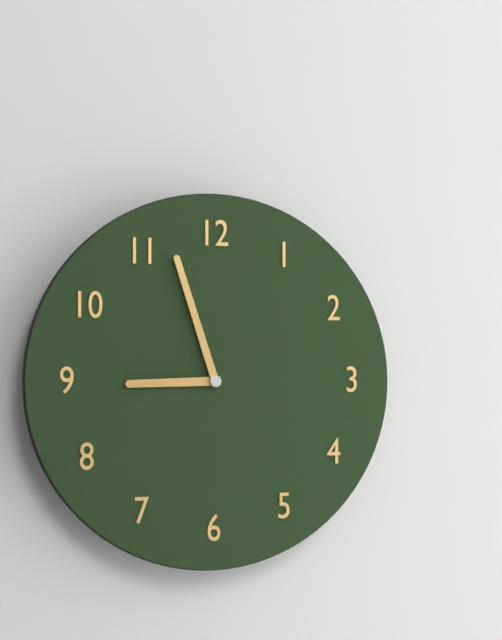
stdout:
{"hour": 8, "minute": 57}
